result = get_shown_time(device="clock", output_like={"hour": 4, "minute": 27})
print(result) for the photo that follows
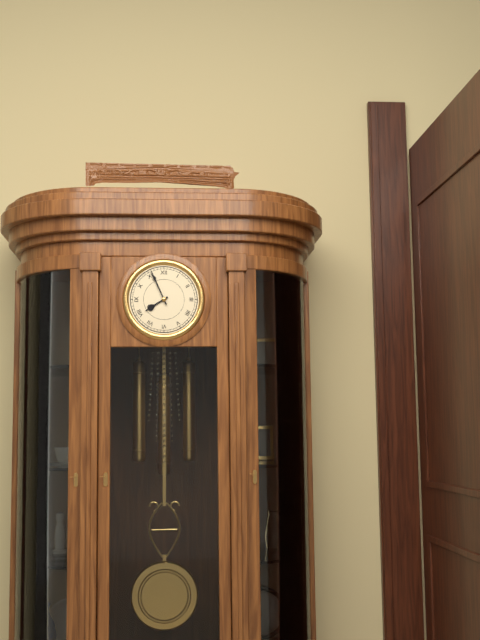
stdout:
{"hour": 7, "minute": 56}
